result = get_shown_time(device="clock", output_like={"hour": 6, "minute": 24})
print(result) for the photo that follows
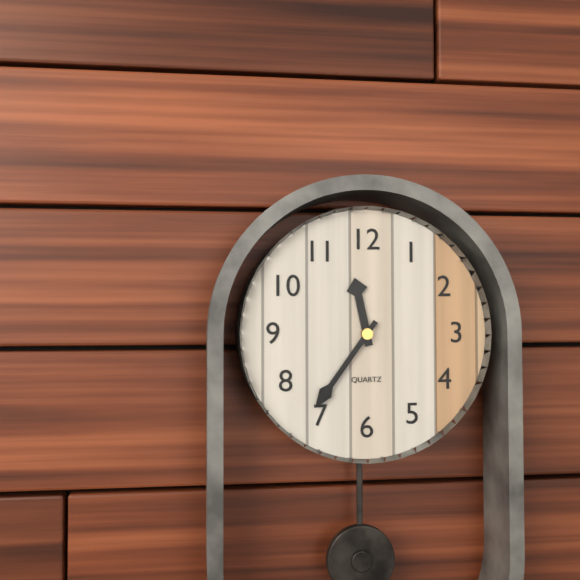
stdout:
{"hour": 11, "minute": 36}
